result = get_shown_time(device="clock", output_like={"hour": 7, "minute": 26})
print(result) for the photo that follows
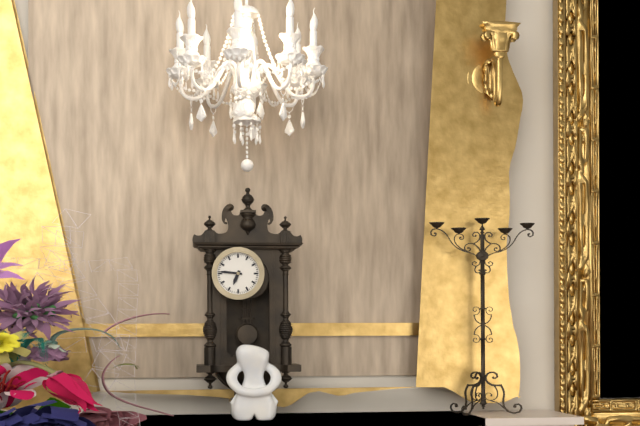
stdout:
{"hour": 6, "minute": 46}
